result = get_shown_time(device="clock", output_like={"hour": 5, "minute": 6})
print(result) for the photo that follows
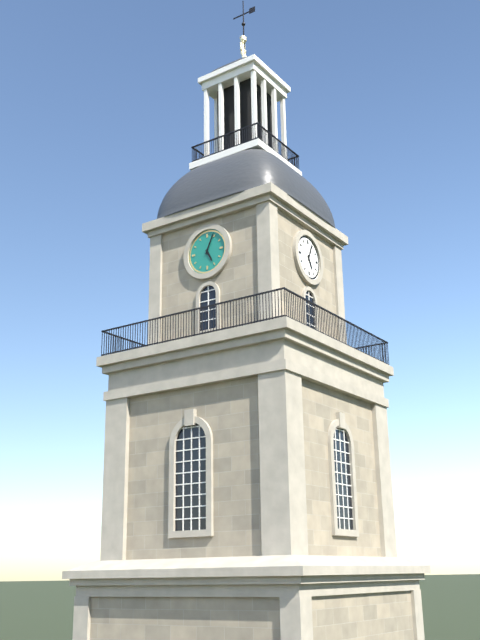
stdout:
{"hour": 5, "minute": 4}
